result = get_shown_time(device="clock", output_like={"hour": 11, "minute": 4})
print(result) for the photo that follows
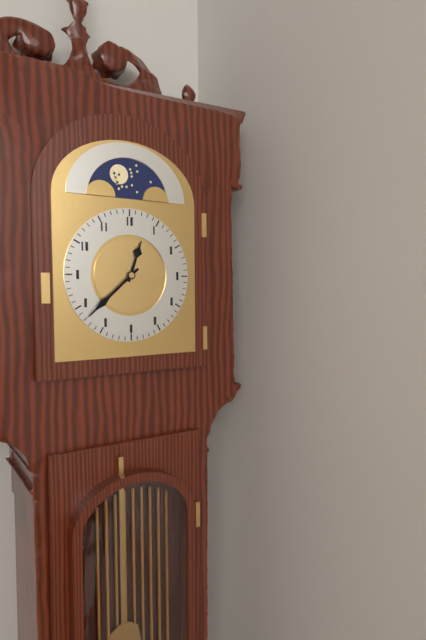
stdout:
{"hour": 12, "minute": 38}
